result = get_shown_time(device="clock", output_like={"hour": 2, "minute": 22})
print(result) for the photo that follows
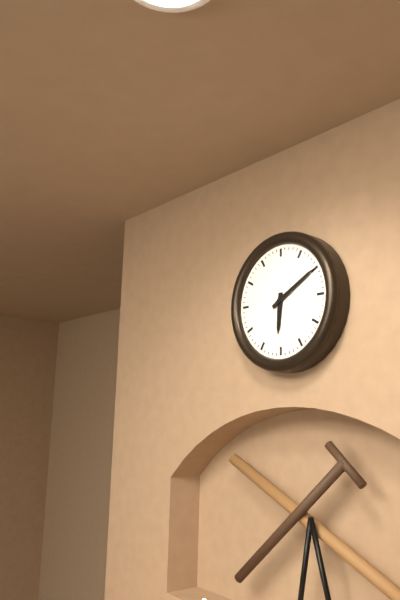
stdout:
{"hour": 6, "minute": 10}
